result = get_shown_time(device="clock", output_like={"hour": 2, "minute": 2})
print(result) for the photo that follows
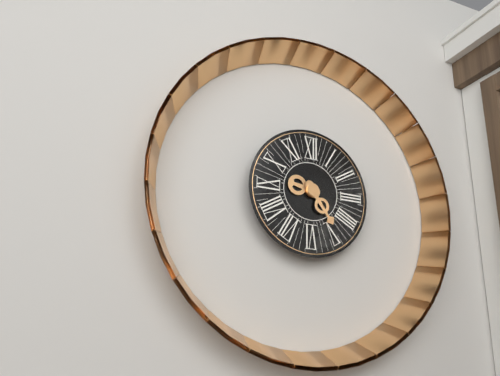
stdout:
{"hour": 9, "minute": 24}
